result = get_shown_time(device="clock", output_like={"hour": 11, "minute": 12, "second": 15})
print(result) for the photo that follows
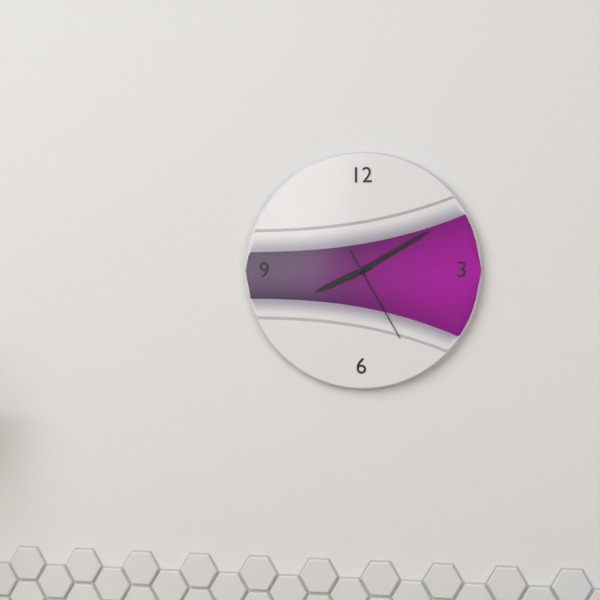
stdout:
{"hour": 8, "minute": 10, "second": 25}
